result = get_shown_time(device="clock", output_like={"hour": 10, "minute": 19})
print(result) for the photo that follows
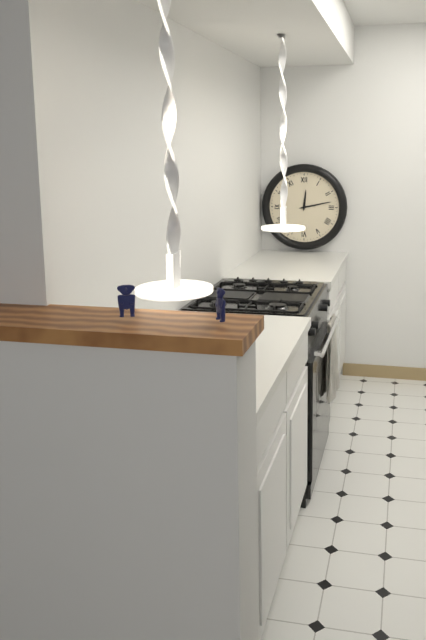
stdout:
{"hour": 12, "minute": 13}
